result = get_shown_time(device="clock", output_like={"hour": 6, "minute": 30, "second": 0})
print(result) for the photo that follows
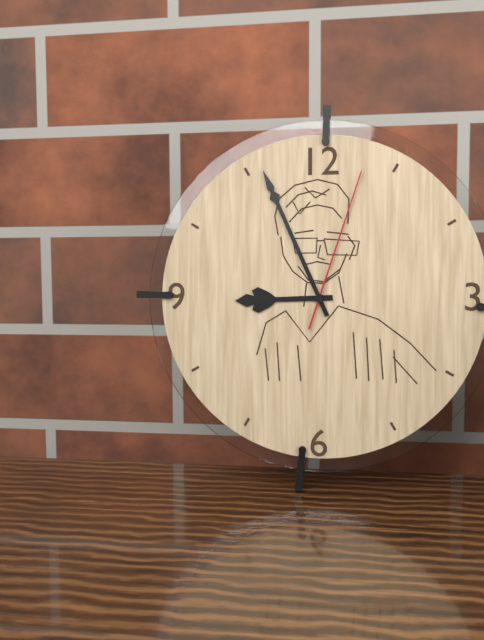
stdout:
{"hour": 8, "minute": 56, "second": 3}
